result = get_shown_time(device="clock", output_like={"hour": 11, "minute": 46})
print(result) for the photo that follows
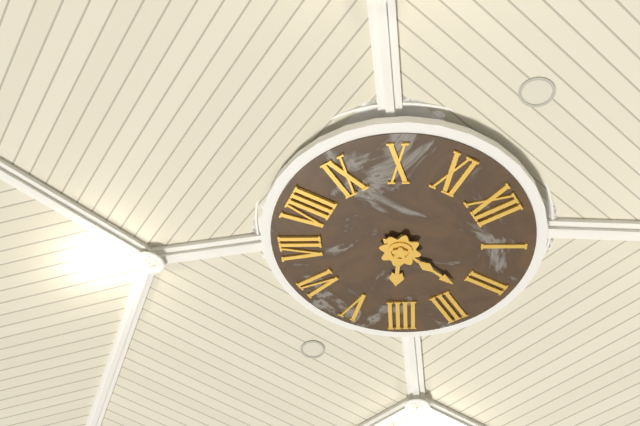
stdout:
{"hour": 4, "minute": 12}
